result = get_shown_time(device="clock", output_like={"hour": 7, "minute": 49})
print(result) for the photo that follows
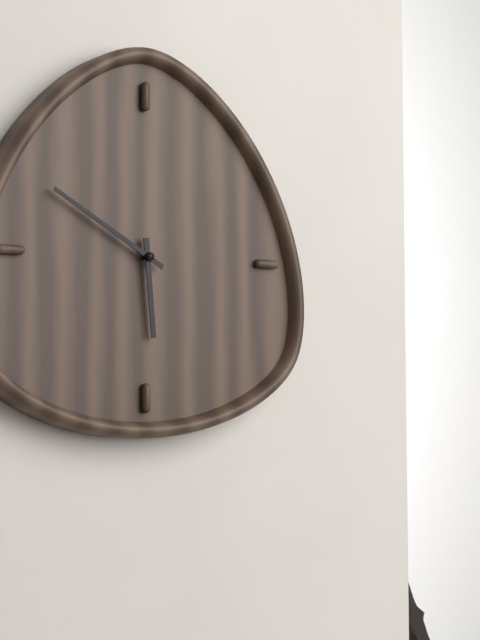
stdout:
{"hour": 5, "minute": 50}
